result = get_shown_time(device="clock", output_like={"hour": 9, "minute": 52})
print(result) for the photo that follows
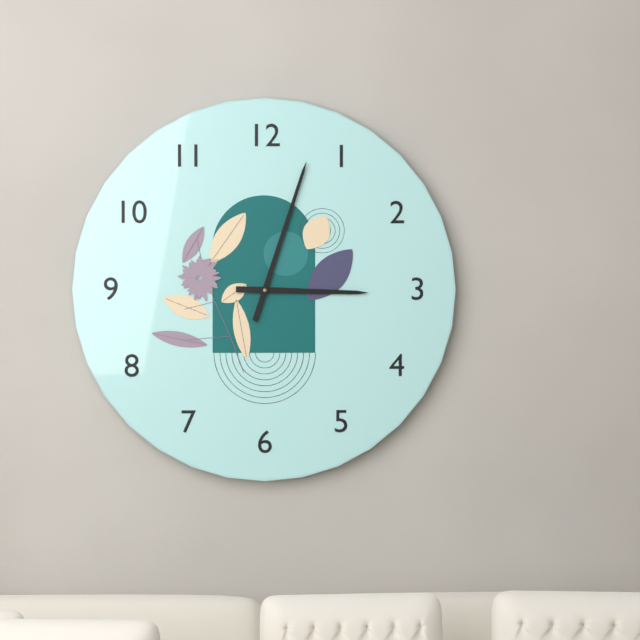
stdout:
{"hour": 3, "minute": 3}
